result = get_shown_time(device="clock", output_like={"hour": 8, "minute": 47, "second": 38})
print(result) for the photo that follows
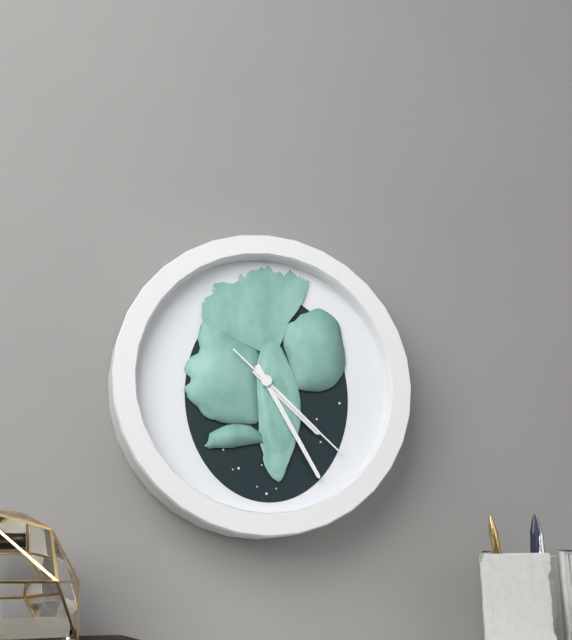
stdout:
{"hour": 4, "minute": 25, "second": 22}
